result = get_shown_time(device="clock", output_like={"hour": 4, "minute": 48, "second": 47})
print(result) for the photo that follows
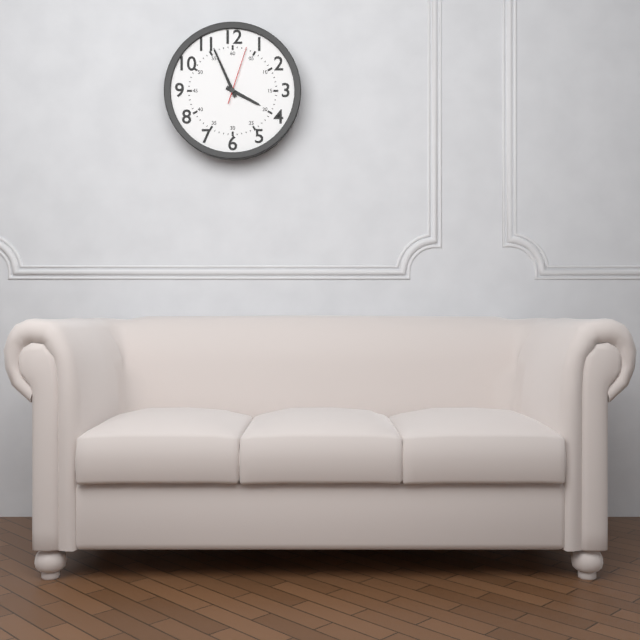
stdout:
{"hour": 3, "minute": 56, "second": 3}
